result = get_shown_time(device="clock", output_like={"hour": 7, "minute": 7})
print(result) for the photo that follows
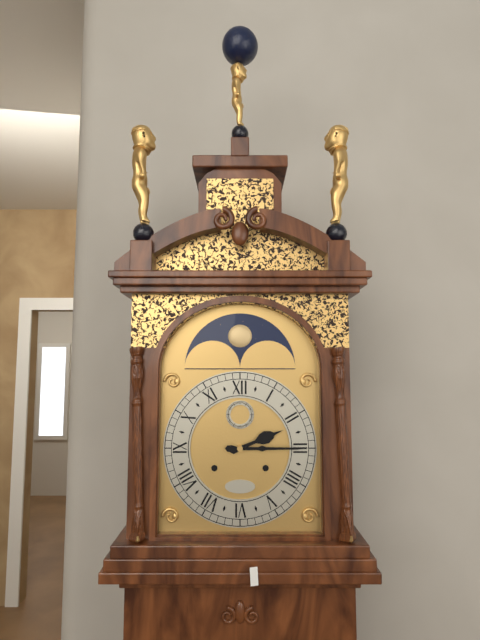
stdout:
{"hour": 2, "minute": 15}
